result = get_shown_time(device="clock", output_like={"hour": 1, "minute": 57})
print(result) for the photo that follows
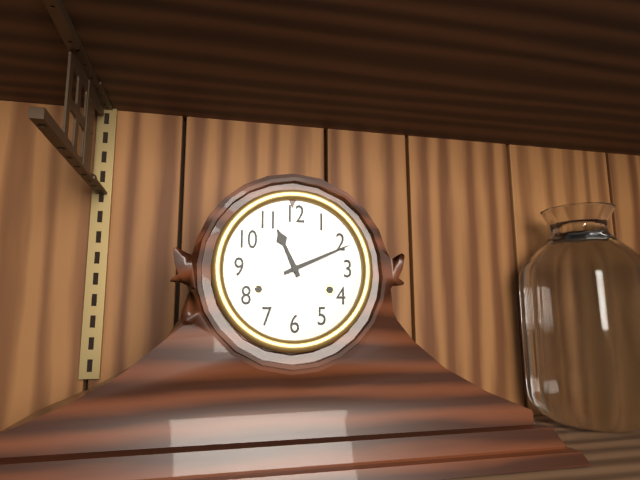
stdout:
{"hour": 11, "minute": 11}
